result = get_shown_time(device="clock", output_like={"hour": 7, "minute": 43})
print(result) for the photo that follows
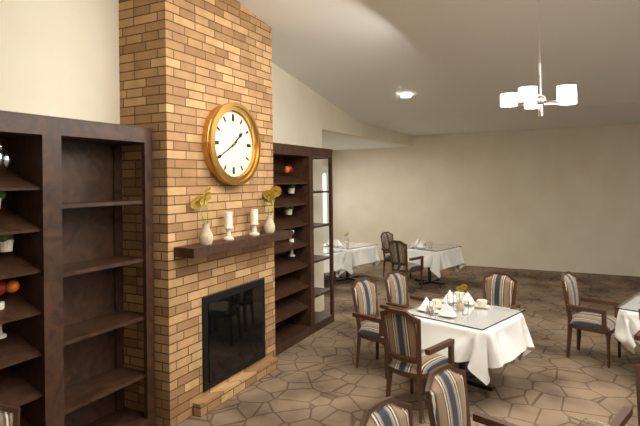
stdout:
{"hour": 1, "minute": 40}
